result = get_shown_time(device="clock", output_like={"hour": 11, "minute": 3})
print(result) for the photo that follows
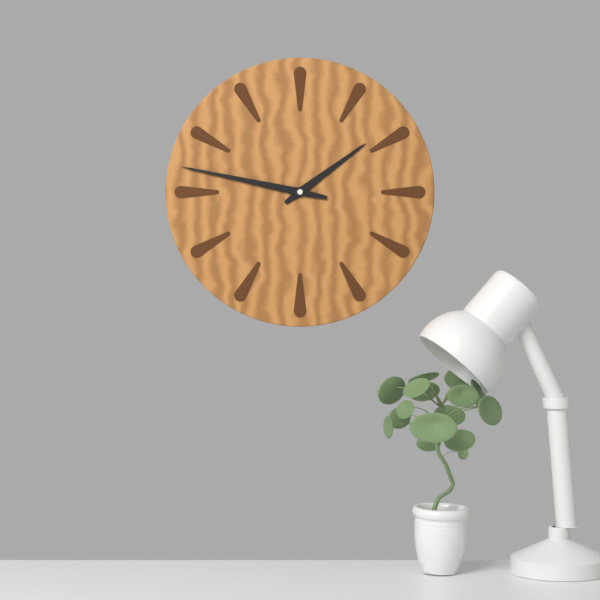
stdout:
{"hour": 1, "minute": 47}
